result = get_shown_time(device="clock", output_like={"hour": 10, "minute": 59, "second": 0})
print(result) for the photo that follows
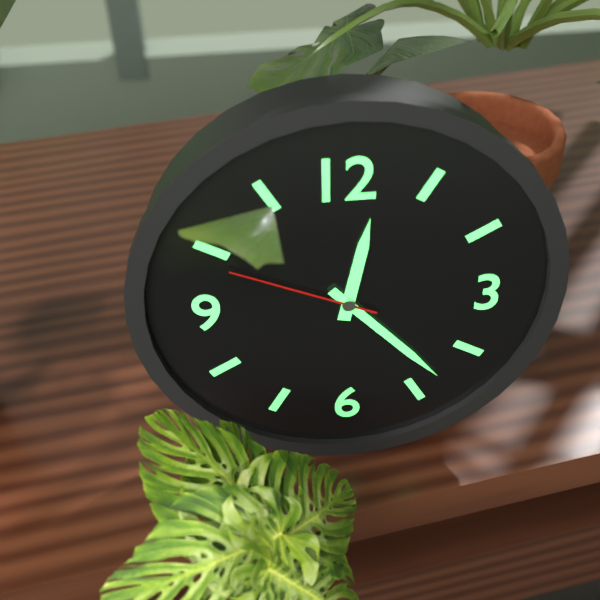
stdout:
{"hour": 12, "minute": 23, "second": 49}
